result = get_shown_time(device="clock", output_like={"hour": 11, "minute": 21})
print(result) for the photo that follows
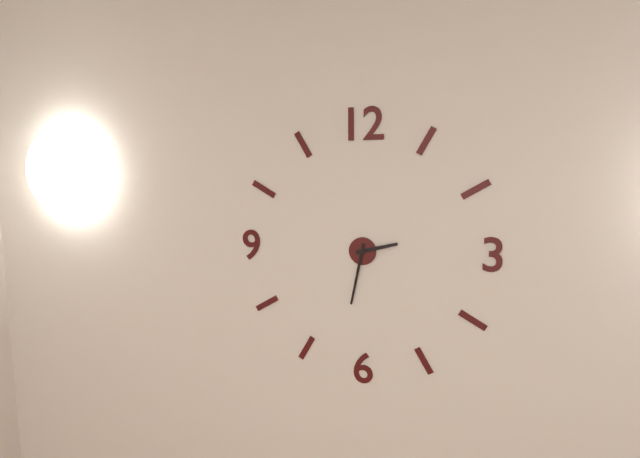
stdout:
{"hour": 2, "minute": 32}
